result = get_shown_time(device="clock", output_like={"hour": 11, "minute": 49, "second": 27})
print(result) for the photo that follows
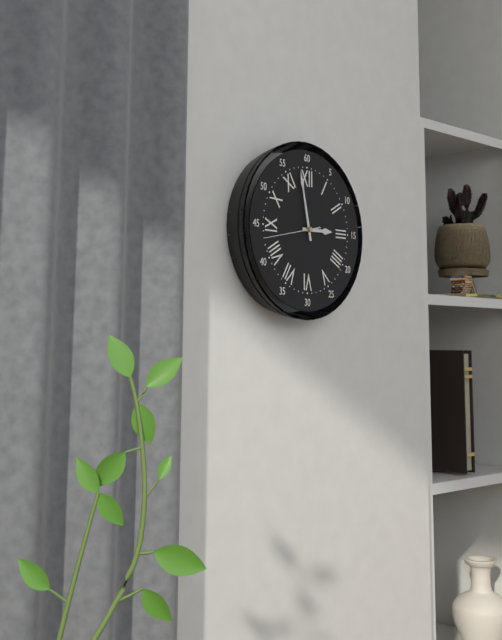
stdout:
{"hour": 2, "minute": 58, "second": 43}
